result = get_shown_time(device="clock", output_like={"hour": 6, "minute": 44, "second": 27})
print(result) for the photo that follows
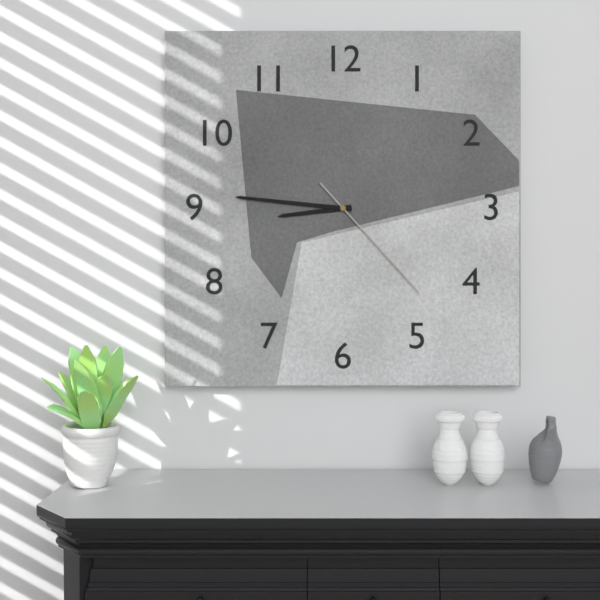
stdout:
{"hour": 8, "minute": 46, "second": 23}
